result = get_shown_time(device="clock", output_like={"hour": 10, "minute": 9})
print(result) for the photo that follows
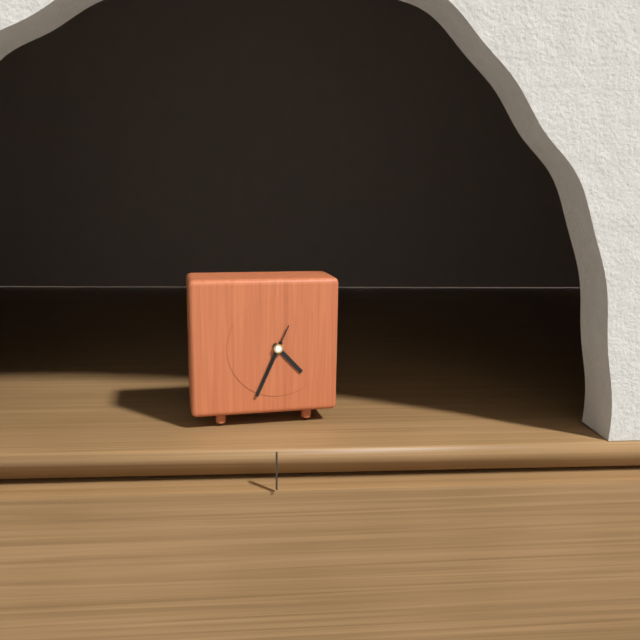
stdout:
{"hour": 4, "minute": 34}
